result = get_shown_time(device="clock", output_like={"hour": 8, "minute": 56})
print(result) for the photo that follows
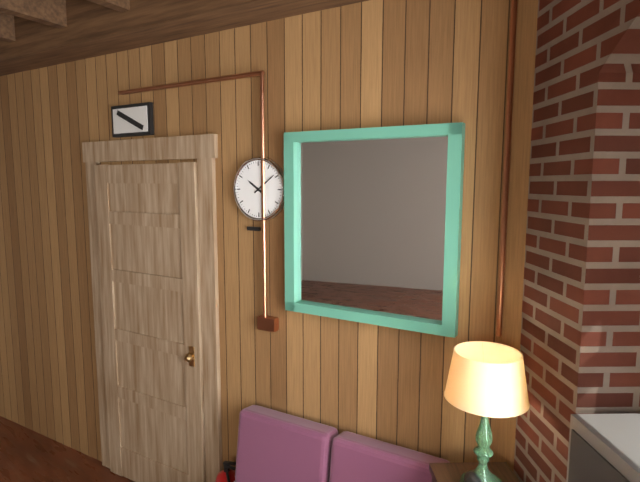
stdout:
{"hour": 10, "minute": 9}
